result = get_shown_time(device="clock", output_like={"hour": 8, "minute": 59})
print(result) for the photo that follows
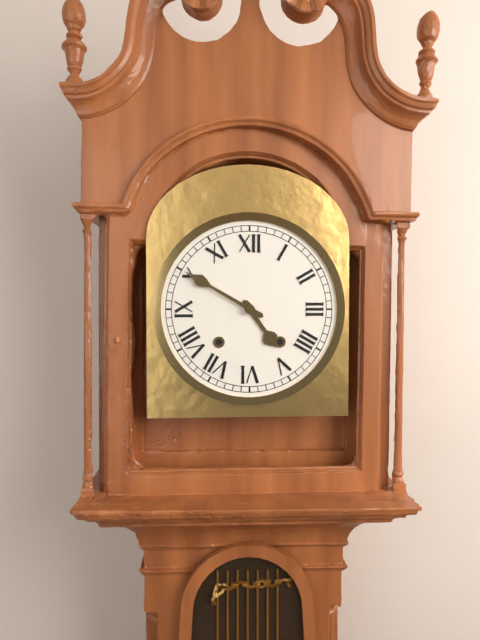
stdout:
{"hour": 4, "minute": 50}
